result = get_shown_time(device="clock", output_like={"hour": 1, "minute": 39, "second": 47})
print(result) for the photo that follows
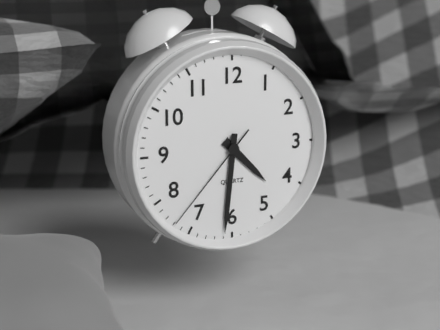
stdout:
{"hour": 4, "minute": 31, "second": 37}
